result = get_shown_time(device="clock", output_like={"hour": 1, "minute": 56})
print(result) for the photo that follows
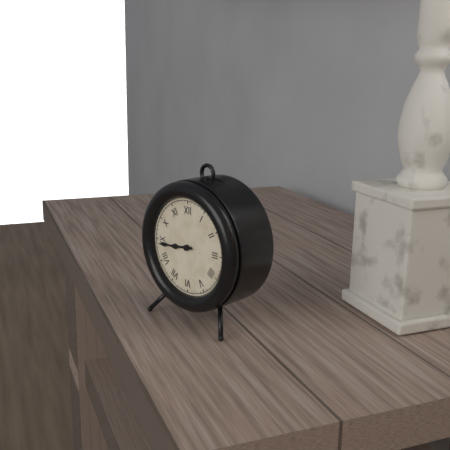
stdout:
{"hour": 8, "minute": 44}
